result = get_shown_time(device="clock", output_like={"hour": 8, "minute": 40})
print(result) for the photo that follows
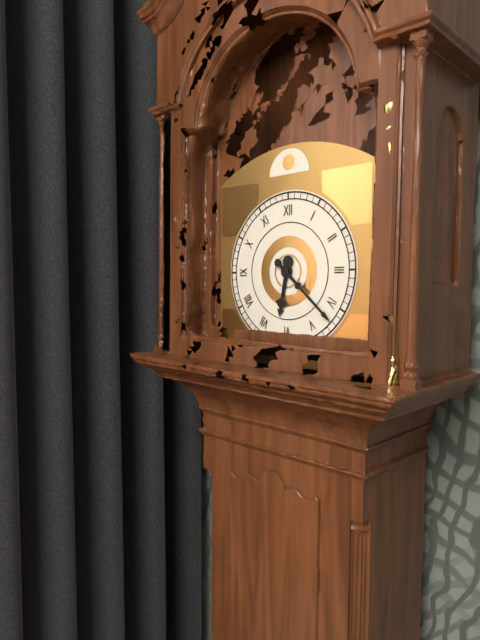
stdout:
{"hour": 6, "minute": 22}
